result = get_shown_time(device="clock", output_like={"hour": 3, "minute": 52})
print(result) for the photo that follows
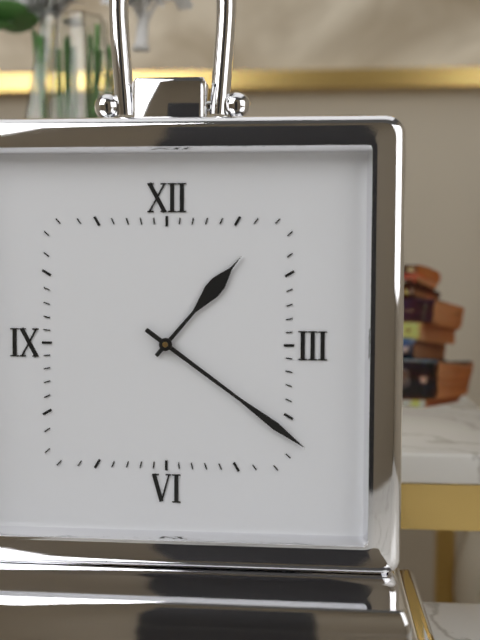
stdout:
{"hour": 1, "minute": 21}
